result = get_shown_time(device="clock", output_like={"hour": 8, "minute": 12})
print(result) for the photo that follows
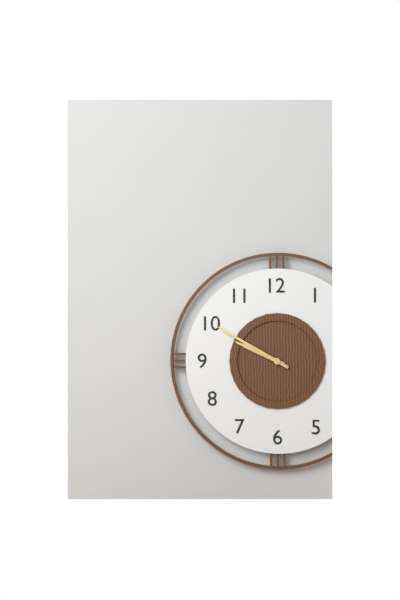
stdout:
{"hour": 9, "minute": 50}
